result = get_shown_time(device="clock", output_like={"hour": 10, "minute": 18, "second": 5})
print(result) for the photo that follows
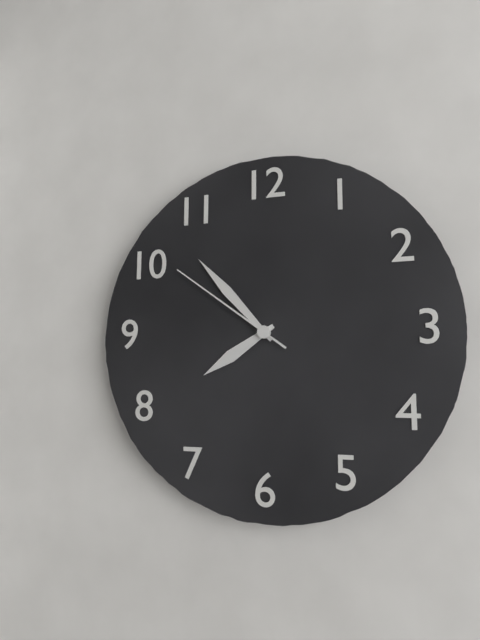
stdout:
{"hour": 7, "minute": 53, "second": 51}
